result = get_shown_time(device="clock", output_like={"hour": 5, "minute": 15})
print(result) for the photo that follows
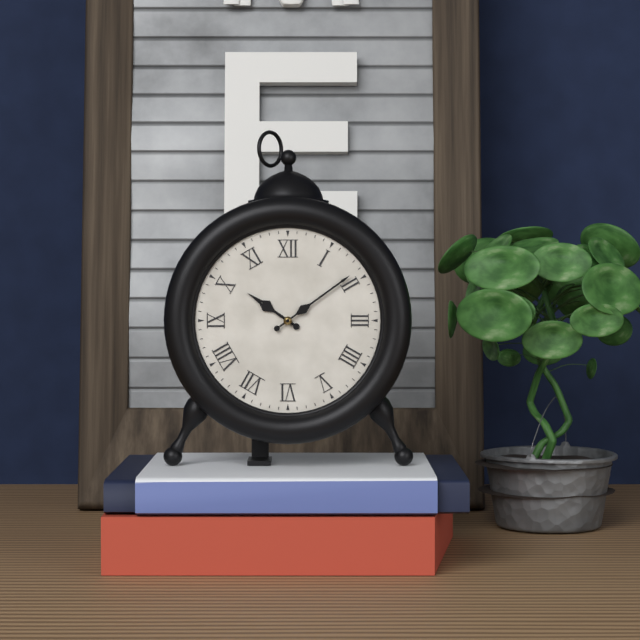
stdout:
{"hour": 10, "minute": 9}
